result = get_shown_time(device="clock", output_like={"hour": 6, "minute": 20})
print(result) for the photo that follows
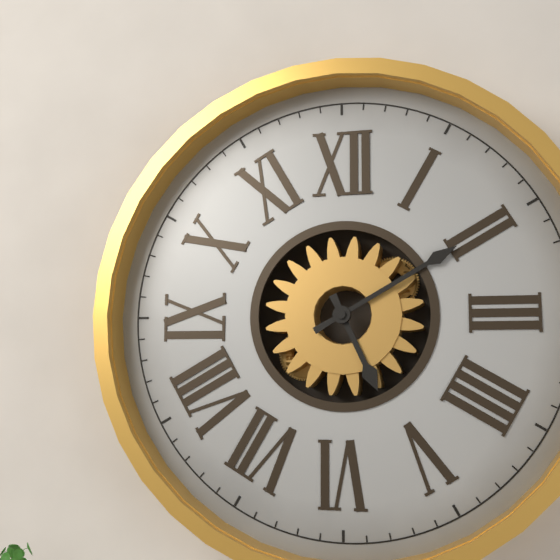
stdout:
{"hour": 5, "minute": 10}
